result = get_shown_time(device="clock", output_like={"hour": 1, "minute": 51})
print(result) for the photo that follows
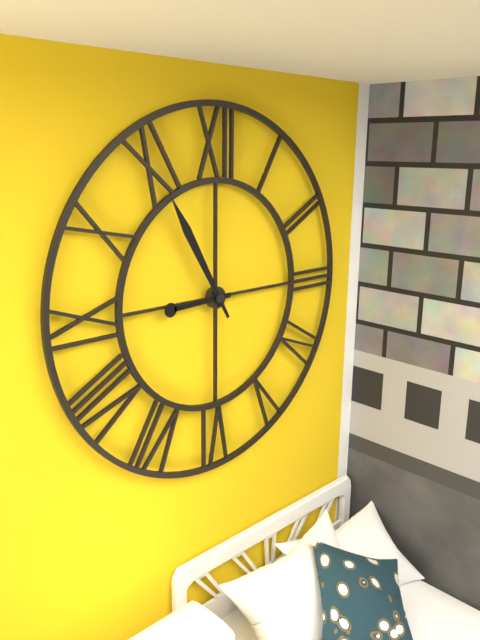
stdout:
{"hour": 8, "minute": 55}
